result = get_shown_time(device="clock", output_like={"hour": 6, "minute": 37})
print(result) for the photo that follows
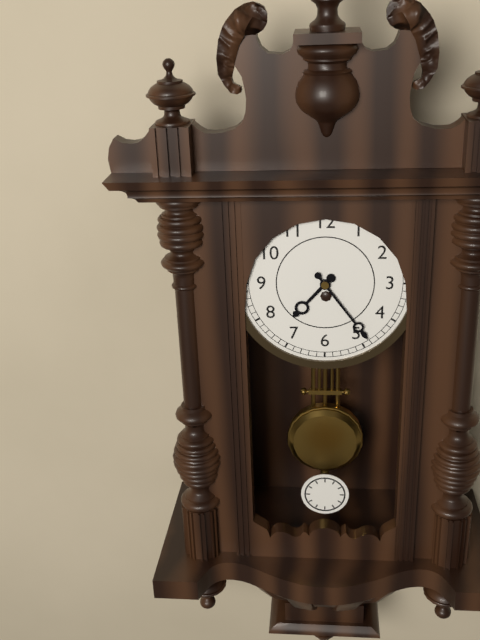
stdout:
{"hour": 7, "minute": 24}
